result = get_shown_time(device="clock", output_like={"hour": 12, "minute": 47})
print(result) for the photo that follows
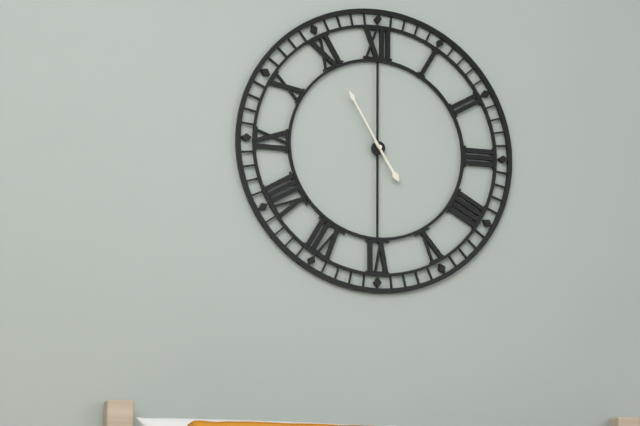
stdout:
{"hour": 4, "minute": 55}
